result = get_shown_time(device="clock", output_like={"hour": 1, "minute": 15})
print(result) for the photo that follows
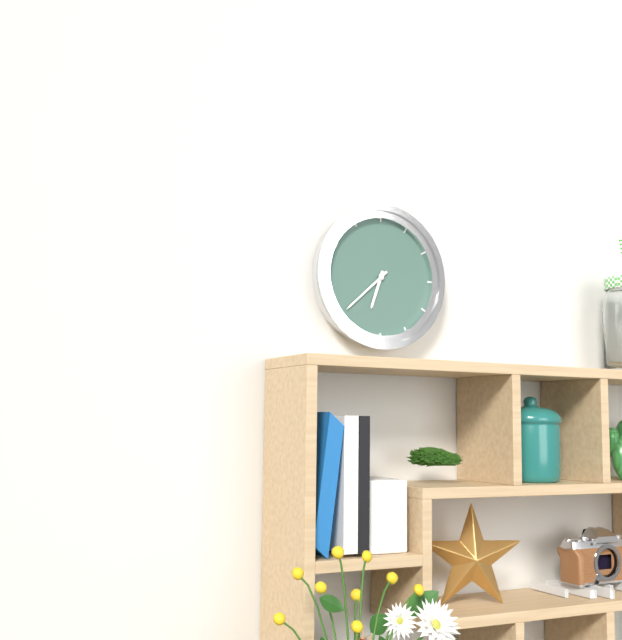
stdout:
{"hour": 6, "minute": 38}
